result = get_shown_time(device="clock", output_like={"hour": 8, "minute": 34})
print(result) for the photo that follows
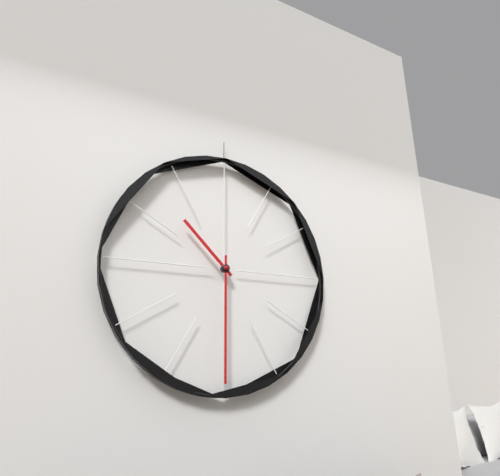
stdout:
{"hour": 10, "minute": 30}
